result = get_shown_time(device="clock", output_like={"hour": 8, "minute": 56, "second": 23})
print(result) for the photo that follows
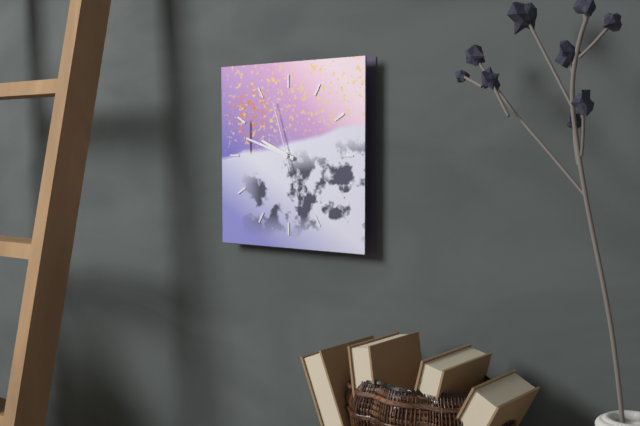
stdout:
{"hour": 9, "minute": 48, "second": 57}
